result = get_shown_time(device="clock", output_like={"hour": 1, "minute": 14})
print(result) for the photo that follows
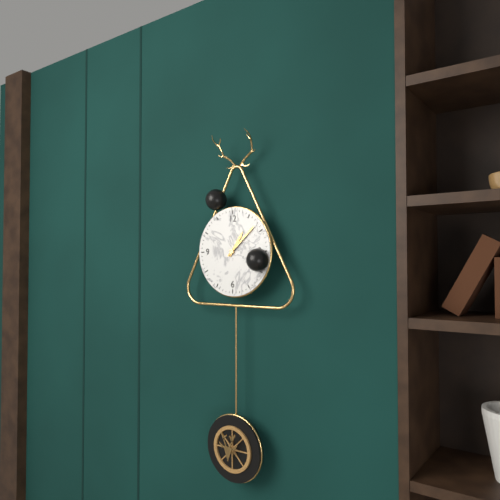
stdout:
{"hour": 1, "minute": 8}
